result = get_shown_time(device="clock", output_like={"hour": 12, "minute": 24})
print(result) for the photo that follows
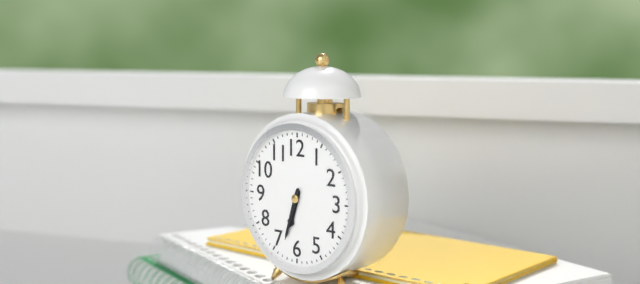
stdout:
{"hour": 6, "minute": 33}
